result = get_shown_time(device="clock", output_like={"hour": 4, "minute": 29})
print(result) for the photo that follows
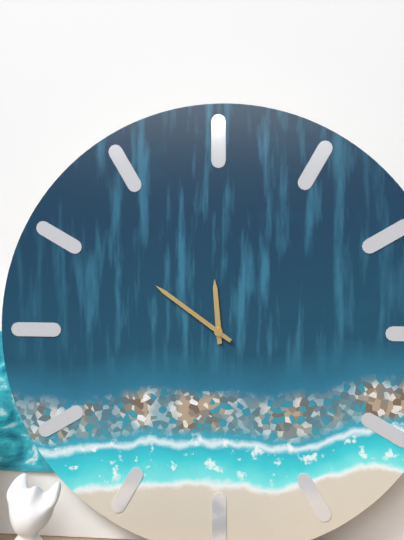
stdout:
{"hour": 11, "minute": 51}
